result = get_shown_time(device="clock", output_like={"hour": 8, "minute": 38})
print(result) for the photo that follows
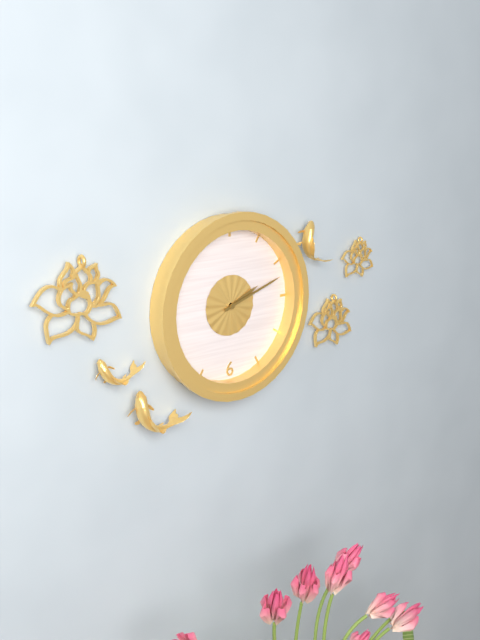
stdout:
{"hour": 2, "minute": 12}
